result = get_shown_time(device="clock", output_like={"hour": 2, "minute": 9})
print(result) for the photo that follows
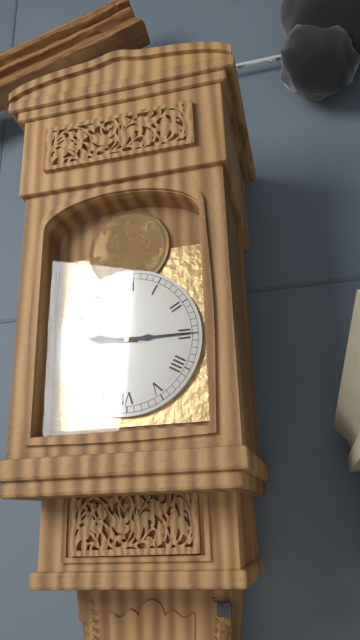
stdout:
{"hour": 9, "minute": 15}
